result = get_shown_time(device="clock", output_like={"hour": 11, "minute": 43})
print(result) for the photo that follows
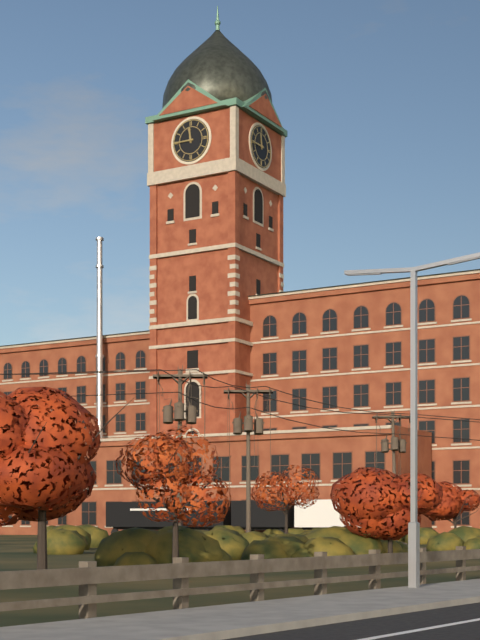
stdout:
{"hour": 11, "minute": 45}
